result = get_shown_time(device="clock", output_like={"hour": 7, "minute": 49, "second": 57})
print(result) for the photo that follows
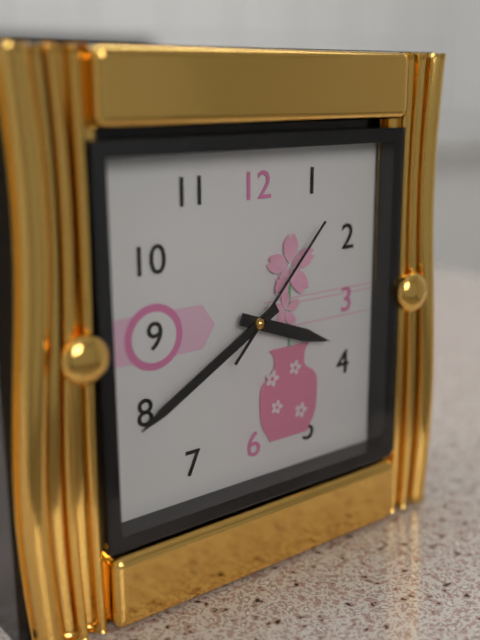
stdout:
{"hour": 3, "minute": 40, "second": 7}
